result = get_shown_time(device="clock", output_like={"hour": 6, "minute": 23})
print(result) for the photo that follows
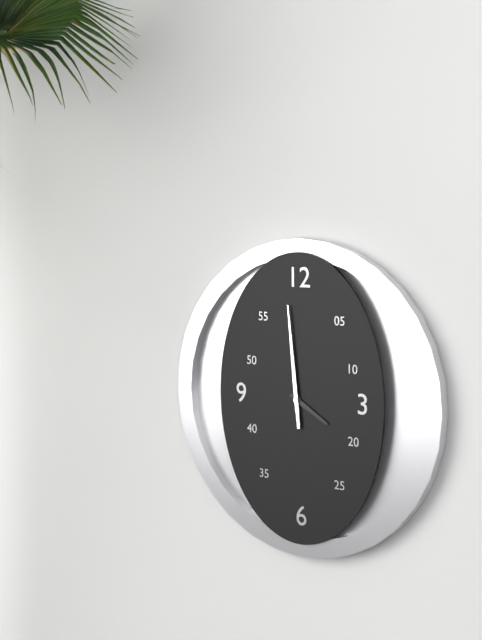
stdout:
{"hour": 3, "minute": 59}
